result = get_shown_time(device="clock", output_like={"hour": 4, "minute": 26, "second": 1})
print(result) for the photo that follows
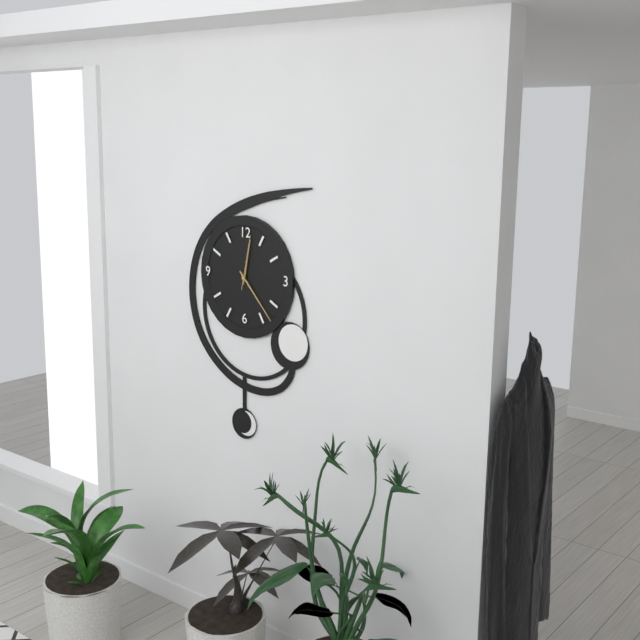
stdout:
{"hour": 12, "minute": 23, "second": 2}
